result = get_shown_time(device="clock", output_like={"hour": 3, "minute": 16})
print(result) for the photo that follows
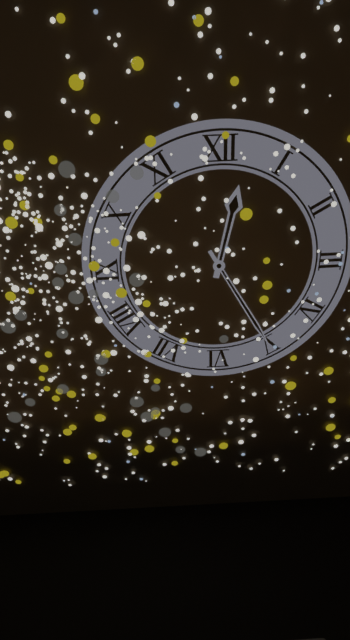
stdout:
{"hour": 12, "minute": 25}
